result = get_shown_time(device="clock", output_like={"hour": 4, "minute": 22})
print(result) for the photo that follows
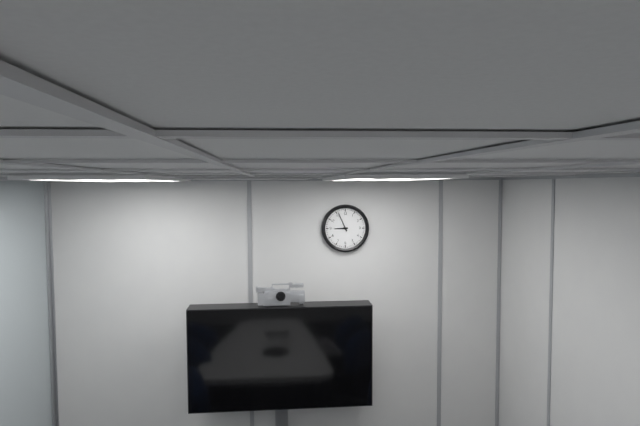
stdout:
{"hour": 8, "minute": 56}
